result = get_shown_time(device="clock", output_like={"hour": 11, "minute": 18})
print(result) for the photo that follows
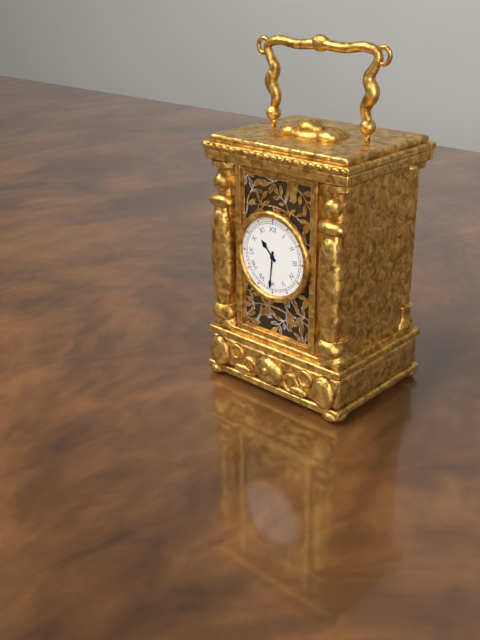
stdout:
{"hour": 10, "minute": 31}
